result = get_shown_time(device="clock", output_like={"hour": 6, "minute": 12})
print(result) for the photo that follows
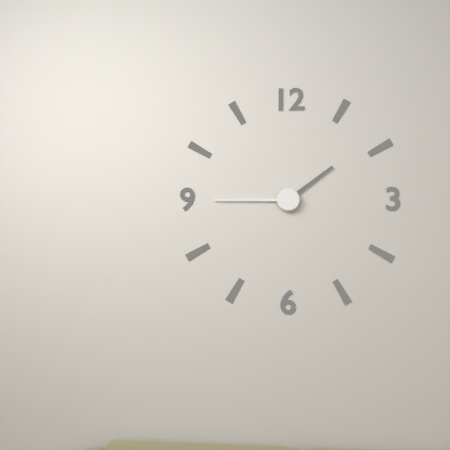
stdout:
{"hour": 1, "minute": 45}
